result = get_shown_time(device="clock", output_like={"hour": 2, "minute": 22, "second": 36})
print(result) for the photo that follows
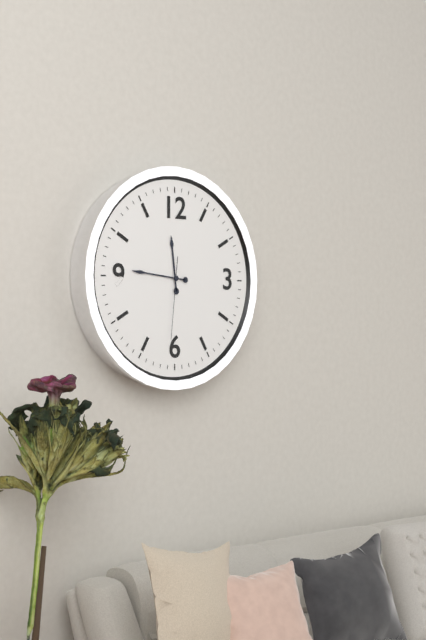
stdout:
{"hour": 11, "minute": 46, "second": 31}
